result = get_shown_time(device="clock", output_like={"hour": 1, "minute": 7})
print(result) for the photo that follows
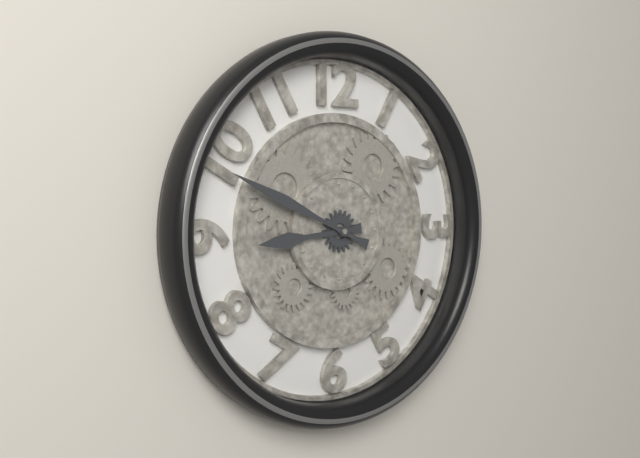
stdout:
{"hour": 8, "minute": 49}
